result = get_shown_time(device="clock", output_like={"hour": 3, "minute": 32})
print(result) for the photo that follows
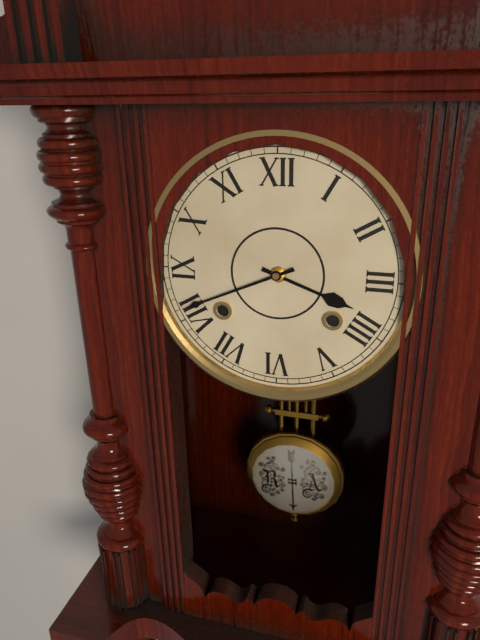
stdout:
{"hour": 3, "minute": 41}
